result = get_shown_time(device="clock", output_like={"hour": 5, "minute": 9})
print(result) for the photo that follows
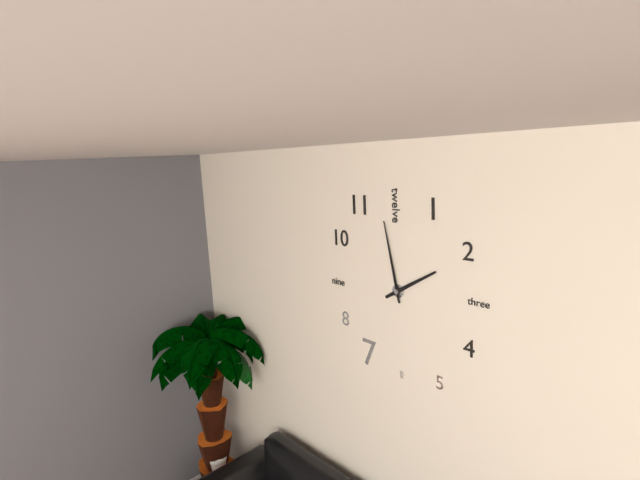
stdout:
{"hour": 1, "minute": 58}
